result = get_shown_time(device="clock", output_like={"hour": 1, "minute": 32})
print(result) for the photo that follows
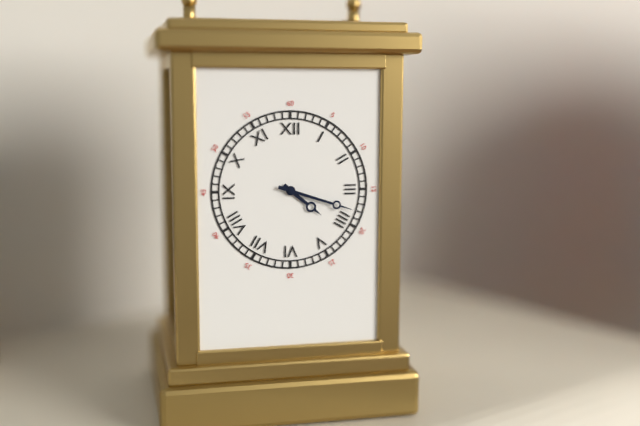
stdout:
{"hour": 4, "minute": 18}
